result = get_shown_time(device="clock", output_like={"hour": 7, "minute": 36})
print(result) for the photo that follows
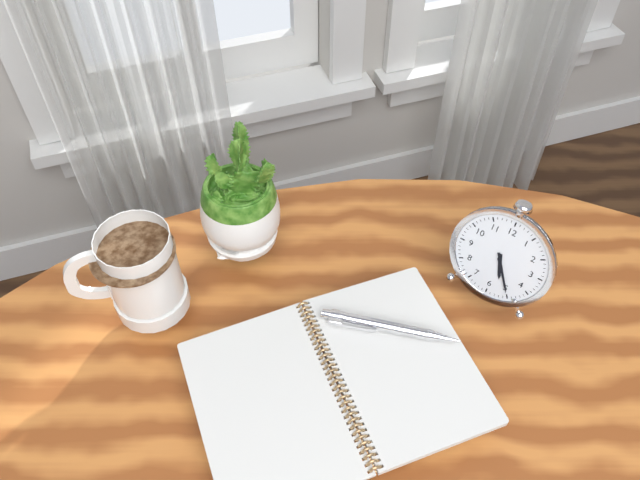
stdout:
{"hour": 5, "minute": 25}
